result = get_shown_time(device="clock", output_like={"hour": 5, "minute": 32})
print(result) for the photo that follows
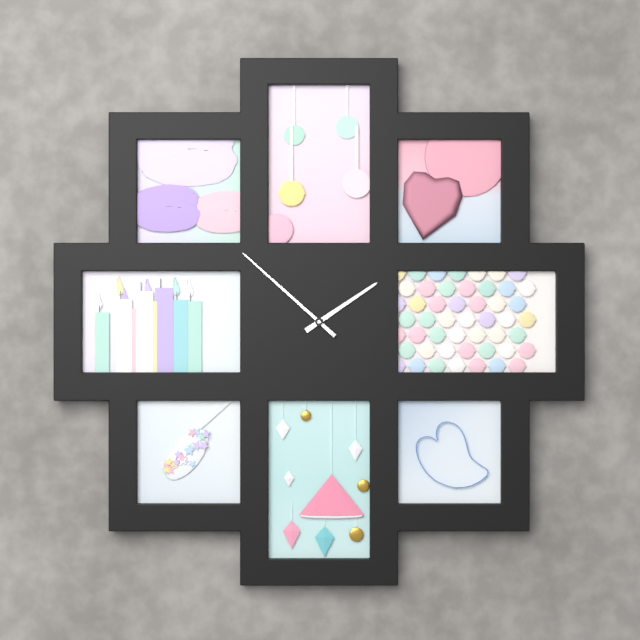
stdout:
{"hour": 1, "minute": 52}
